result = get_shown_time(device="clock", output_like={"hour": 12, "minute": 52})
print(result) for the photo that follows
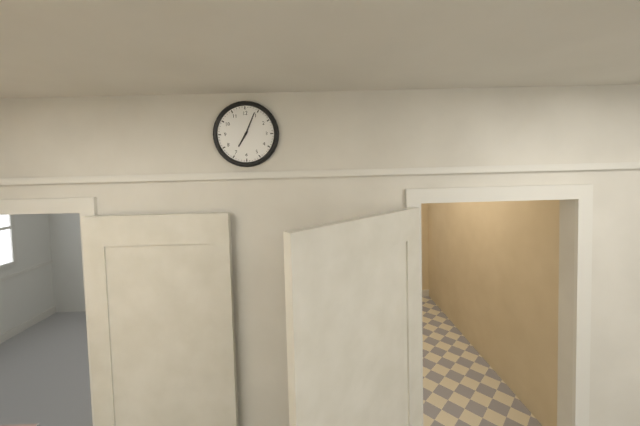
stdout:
{"hour": 7, "minute": 4}
